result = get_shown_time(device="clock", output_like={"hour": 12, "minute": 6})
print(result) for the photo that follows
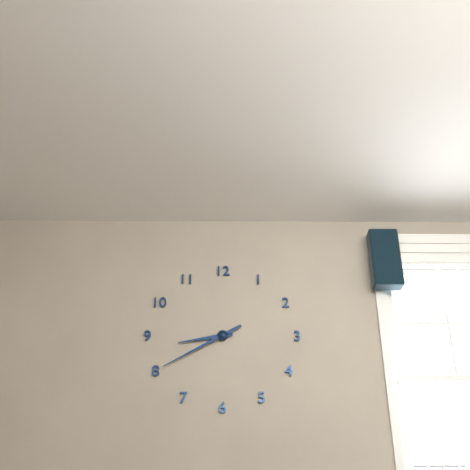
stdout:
{"hour": 8, "minute": 40}
